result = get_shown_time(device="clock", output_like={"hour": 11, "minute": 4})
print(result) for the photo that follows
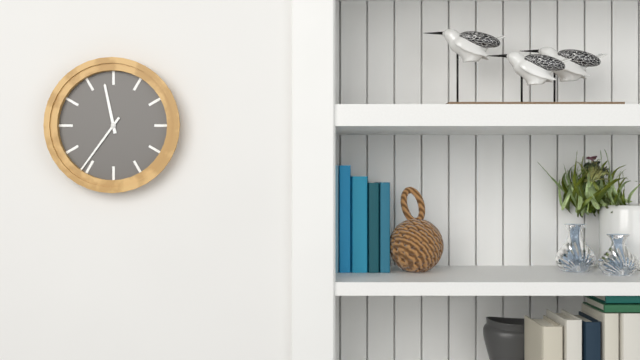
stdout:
{"hour": 11, "minute": 36}
